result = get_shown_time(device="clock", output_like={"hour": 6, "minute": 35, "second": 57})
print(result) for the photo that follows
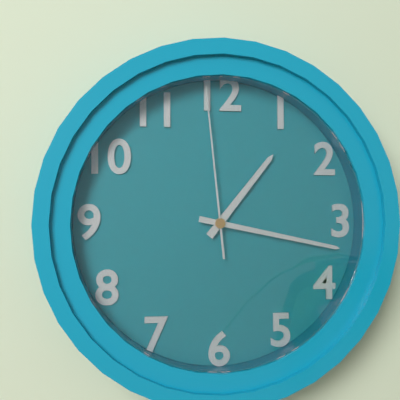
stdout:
{"hour": 1, "minute": 17, "second": 59}
